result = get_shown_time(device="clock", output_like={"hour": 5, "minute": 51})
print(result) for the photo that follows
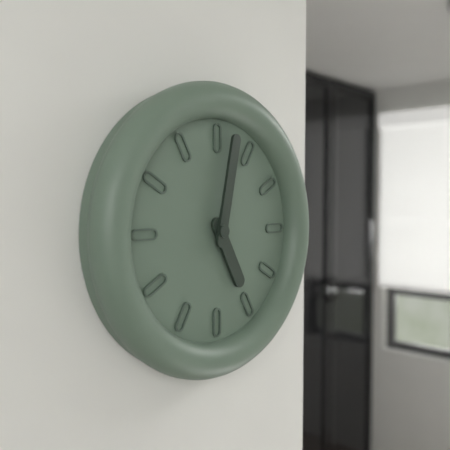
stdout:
{"hour": 5, "minute": 2}
